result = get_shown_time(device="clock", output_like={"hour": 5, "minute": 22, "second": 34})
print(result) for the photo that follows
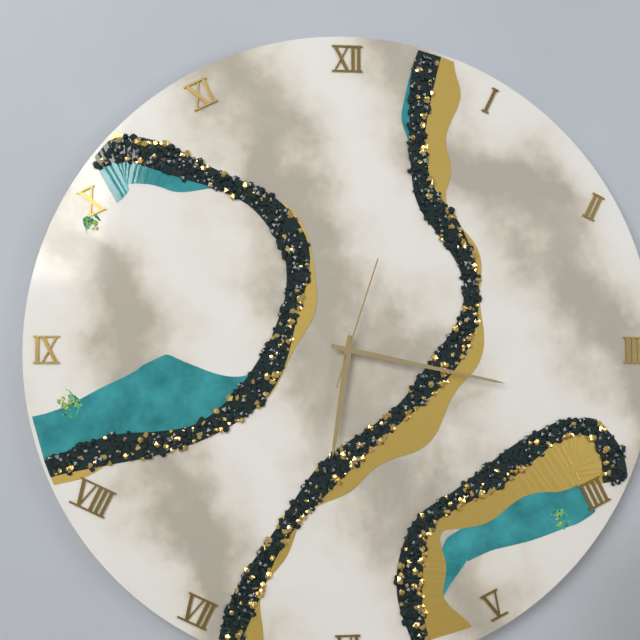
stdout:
{"hour": 6, "minute": 17, "second": 3}
